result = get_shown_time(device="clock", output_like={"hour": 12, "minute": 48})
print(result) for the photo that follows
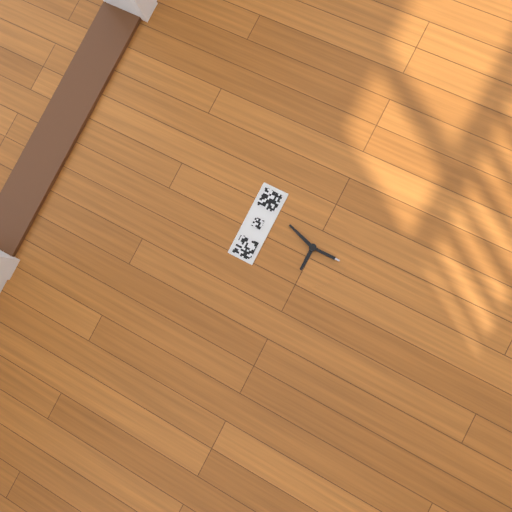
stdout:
{"hour": 9, "minute": 3}
